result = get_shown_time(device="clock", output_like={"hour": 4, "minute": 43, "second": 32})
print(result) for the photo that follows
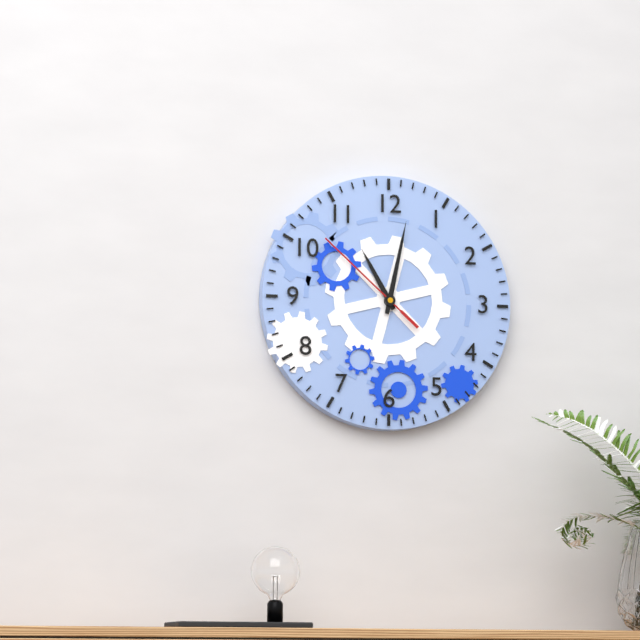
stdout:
{"hour": 11, "minute": 2, "second": 52}
